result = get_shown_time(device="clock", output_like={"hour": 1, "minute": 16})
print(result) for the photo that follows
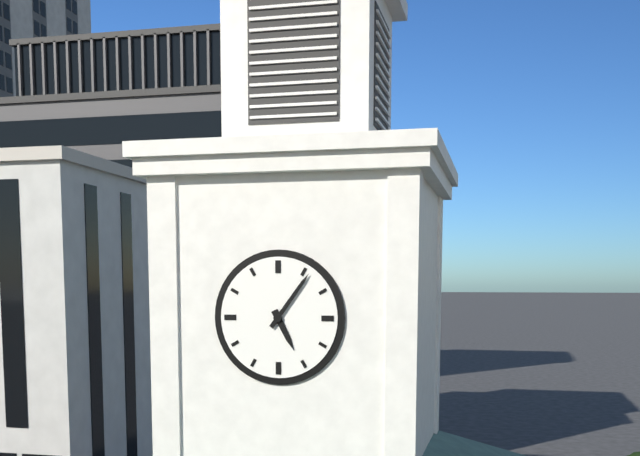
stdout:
{"hour": 5, "minute": 6}
